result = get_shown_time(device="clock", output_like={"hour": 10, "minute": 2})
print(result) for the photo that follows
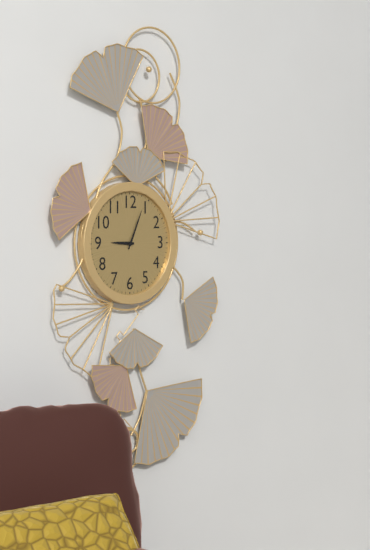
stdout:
{"hour": 9, "minute": 4}
